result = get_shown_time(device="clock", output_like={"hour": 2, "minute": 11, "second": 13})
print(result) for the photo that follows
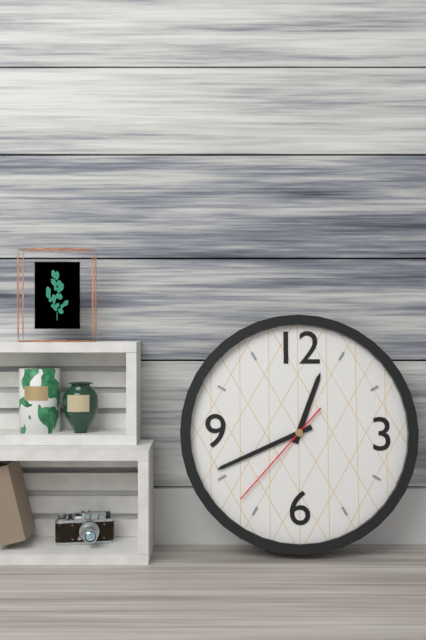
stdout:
{"hour": 12, "minute": 41, "second": 37}
